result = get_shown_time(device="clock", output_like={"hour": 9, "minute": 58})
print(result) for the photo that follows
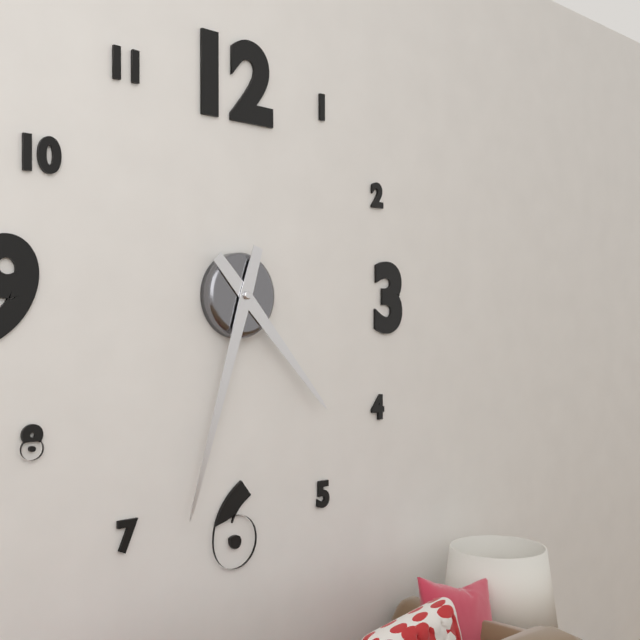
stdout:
{"hour": 4, "minute": 33}
